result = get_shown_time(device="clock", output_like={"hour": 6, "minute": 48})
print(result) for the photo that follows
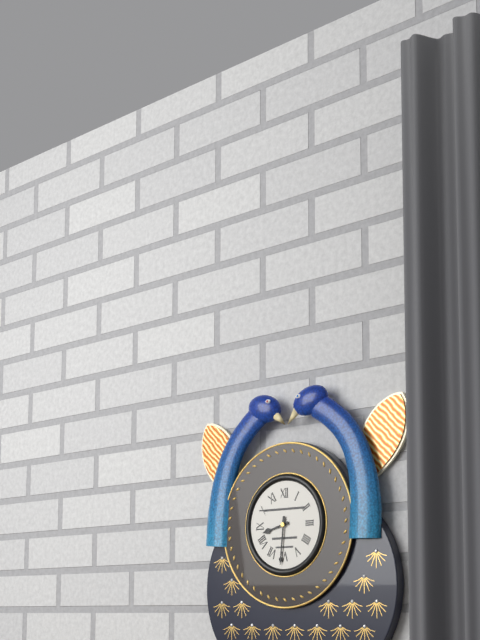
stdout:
{"hour": 8, "minute": 31}
